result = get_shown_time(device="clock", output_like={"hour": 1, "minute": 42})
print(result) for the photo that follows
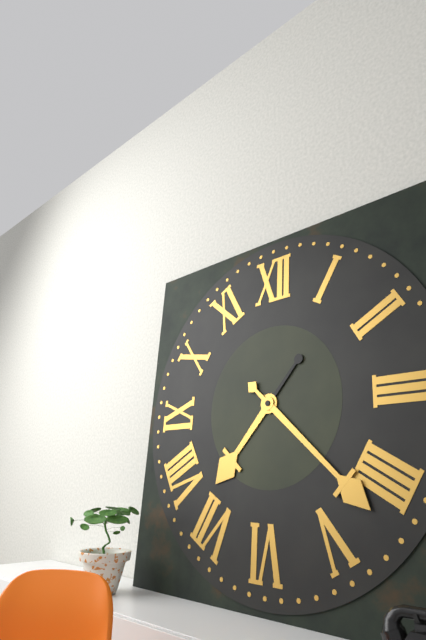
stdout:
{"hour": 7, "minute": 22}
